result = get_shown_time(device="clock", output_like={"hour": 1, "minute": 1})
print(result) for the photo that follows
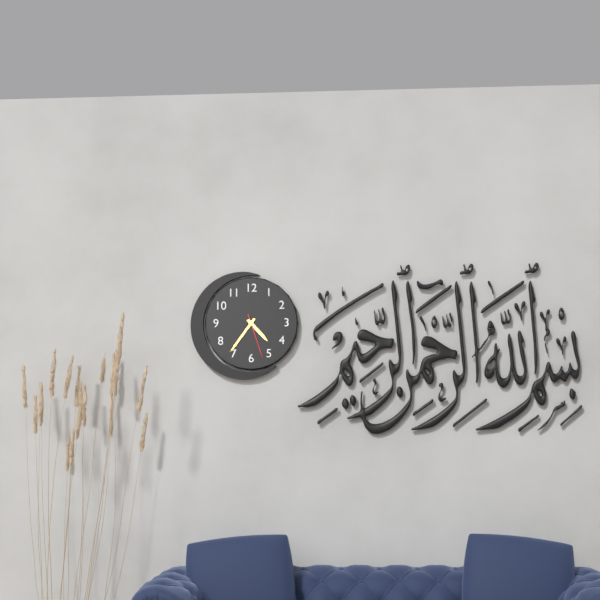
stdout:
{"hour": 4, "minute": 36}
